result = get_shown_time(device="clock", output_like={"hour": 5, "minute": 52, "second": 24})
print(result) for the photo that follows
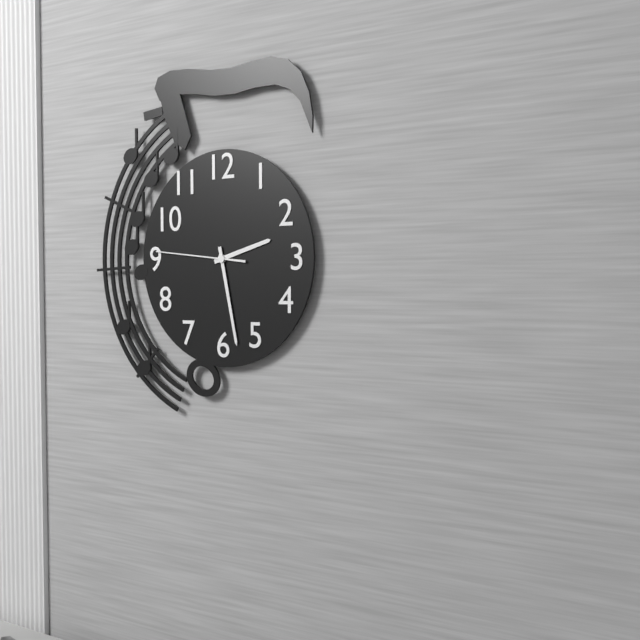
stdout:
{"hour": 2, "minute": 28, "second": 46}
